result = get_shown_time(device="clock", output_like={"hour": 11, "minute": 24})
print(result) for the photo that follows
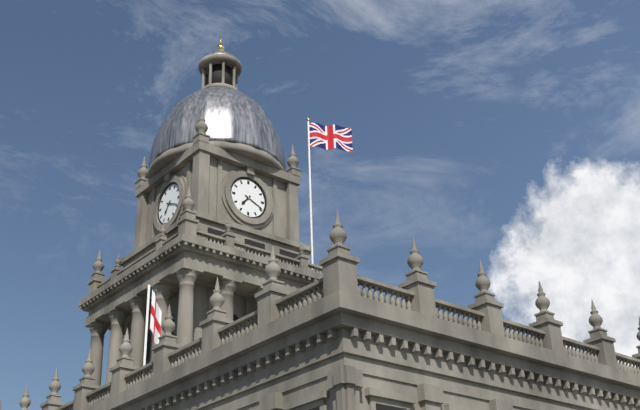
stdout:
{"hour": 7, "minute": 19}
